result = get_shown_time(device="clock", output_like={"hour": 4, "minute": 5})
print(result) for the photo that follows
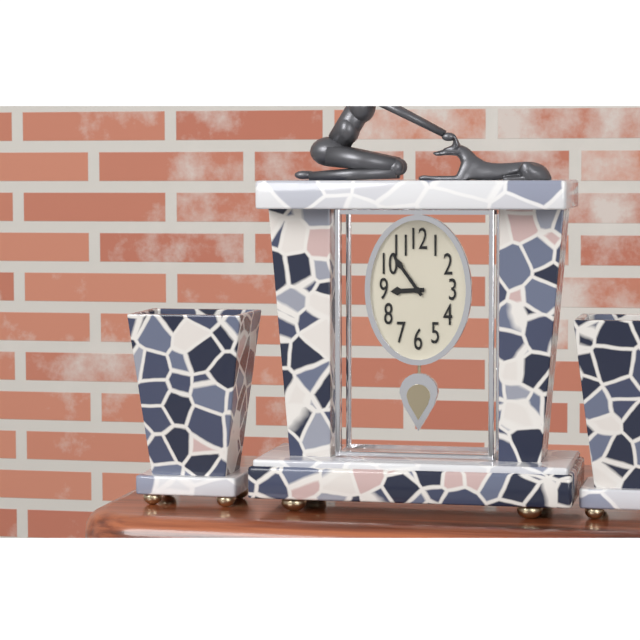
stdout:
{"hour": 8, "minute": 54}
